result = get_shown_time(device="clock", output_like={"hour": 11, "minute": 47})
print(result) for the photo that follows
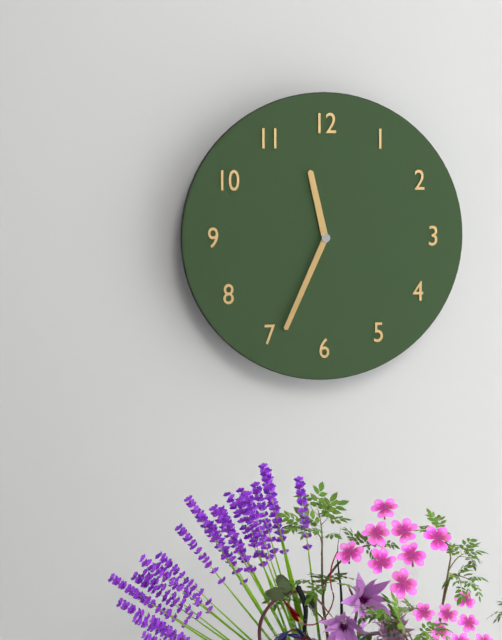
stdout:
{"hour": 11, "minute": 34}
